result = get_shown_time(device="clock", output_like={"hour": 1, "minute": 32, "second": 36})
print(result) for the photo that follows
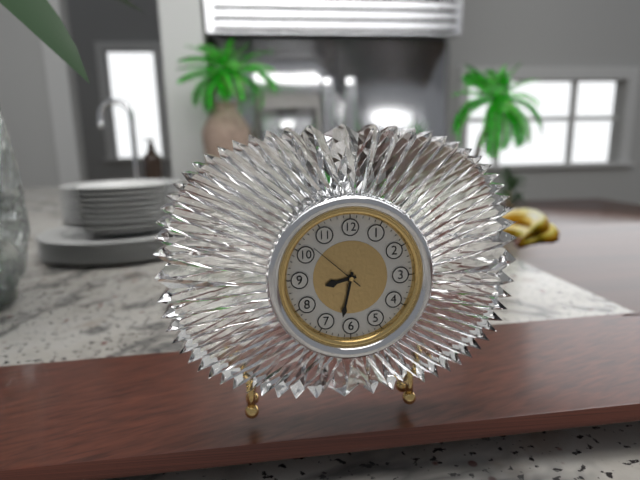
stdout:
{"hour": 8, "minute": 32, "second": 52}
